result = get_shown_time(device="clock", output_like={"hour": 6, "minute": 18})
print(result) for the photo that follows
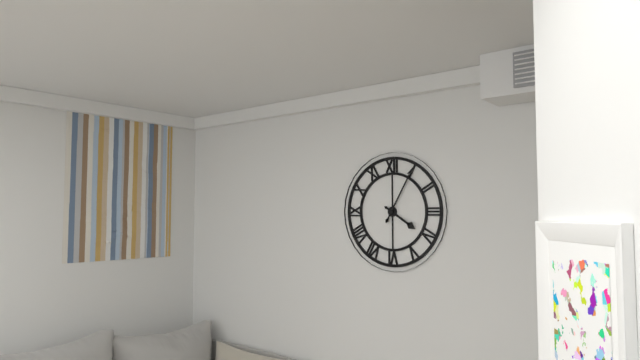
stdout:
{"hour": 4, "minute": 5}
